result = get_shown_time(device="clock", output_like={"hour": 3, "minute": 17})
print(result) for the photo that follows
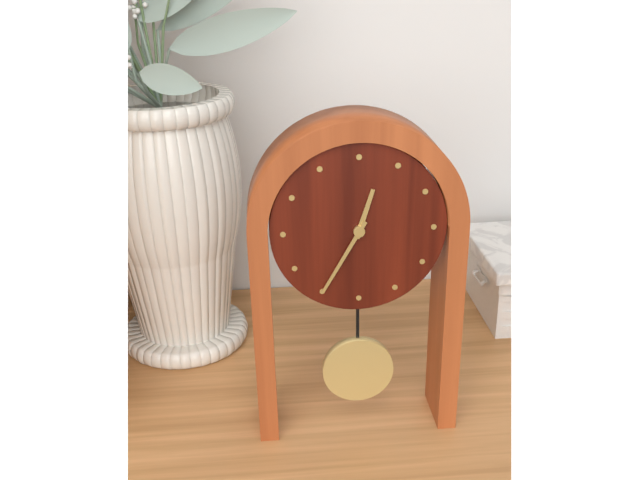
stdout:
{"hour": 12, "minute": 35}
